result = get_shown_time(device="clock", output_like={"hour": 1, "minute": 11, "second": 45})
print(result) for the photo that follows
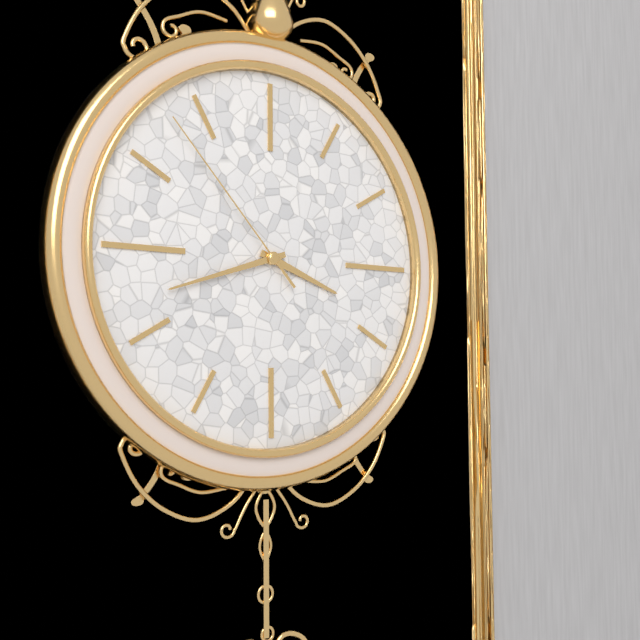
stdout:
{"hour": 3, "minute": 42, "second": 53}
